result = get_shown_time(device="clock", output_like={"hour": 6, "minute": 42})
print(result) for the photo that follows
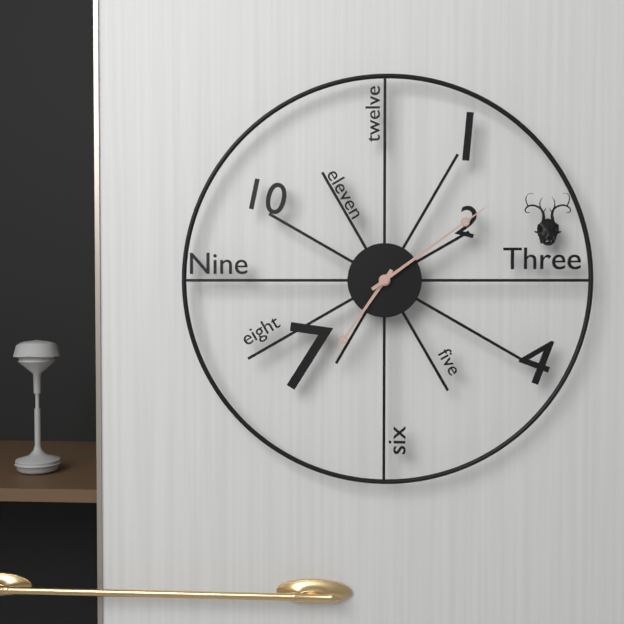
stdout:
{"hour": 7, "minute": 9}
